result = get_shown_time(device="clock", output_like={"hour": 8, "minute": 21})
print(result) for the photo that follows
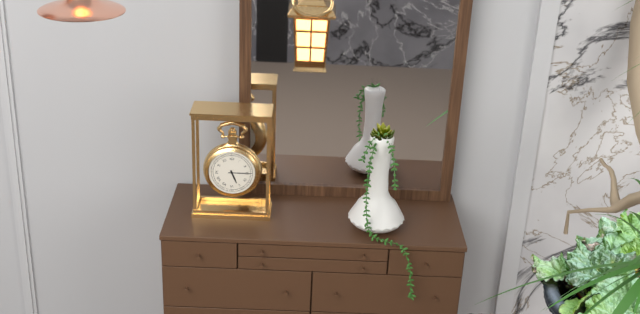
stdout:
{"hour": 5, "minute": 15}
